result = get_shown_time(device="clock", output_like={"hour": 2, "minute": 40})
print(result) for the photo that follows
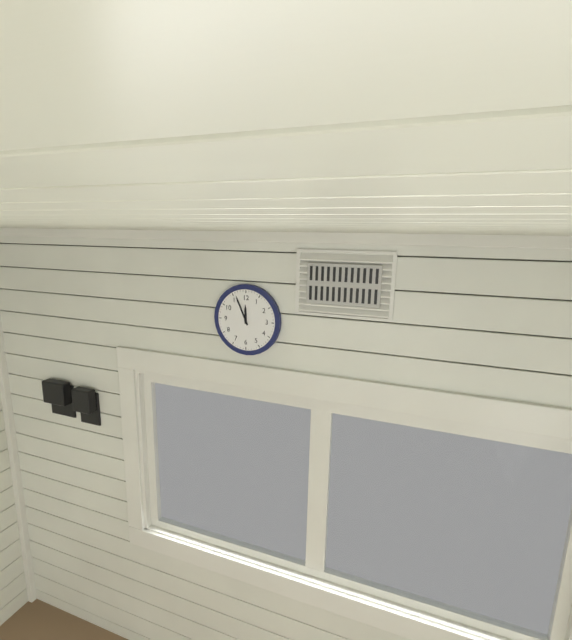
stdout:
{"hour": 11, "minute": 56}
